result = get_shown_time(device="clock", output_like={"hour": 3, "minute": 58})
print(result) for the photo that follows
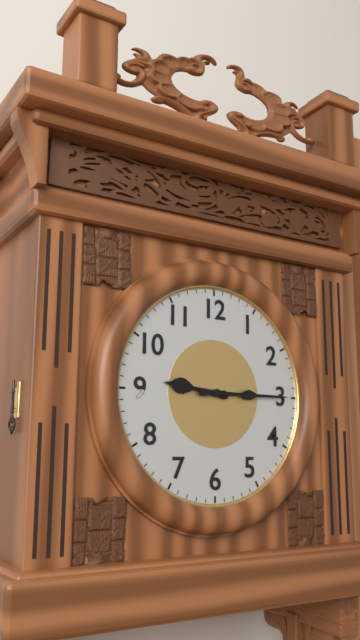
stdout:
{"hour": 9, "minute": 15}
